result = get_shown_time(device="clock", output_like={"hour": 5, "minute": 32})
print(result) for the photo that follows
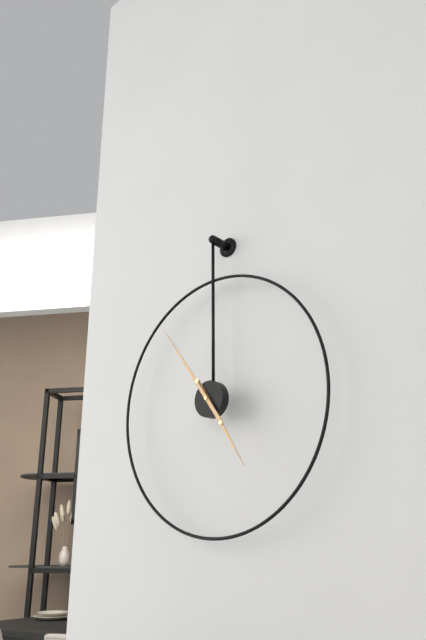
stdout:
{"hour": 4, "minute": 54}
